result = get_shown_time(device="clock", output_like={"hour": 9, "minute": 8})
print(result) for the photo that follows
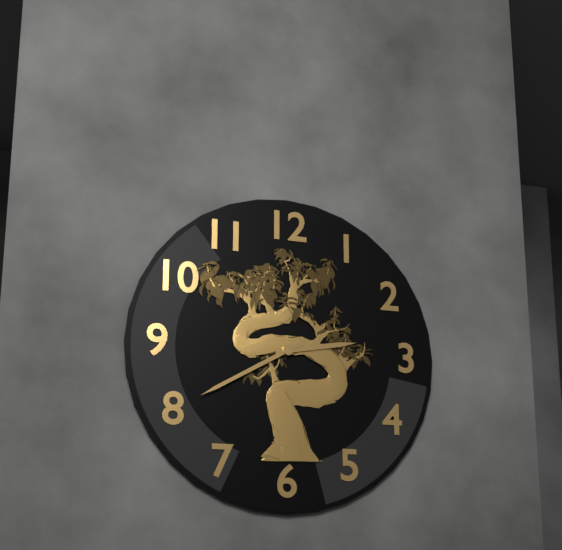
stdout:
{"hour": 2, "minute": 40}
